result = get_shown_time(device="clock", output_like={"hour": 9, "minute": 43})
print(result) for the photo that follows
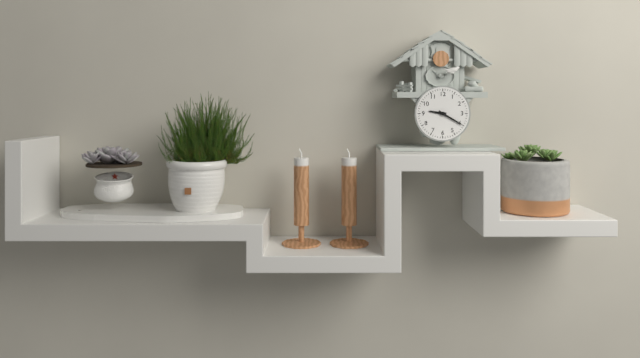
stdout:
{"hour": 9, "minute": 20}
